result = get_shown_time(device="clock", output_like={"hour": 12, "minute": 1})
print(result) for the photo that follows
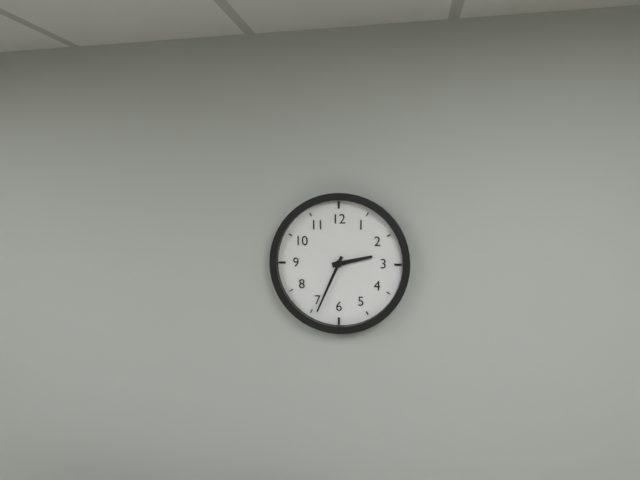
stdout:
{"hour": 2, "minute": 34}
